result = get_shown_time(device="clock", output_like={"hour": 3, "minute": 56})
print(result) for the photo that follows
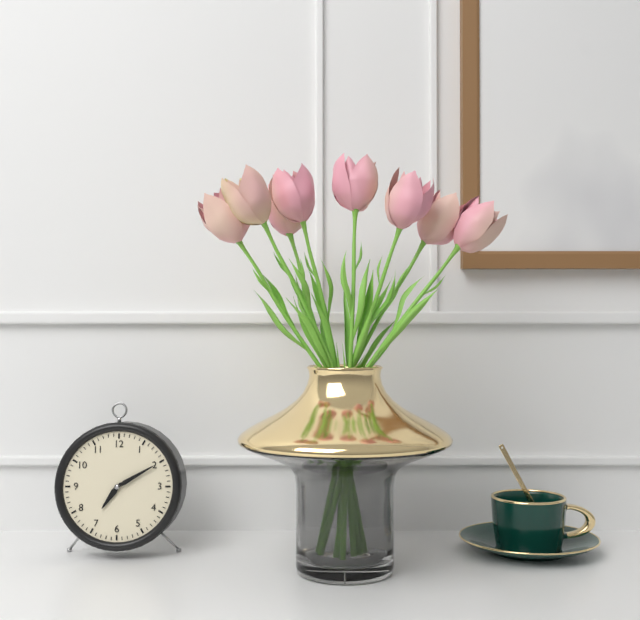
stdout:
{"hour": 7, "minute": 10}
